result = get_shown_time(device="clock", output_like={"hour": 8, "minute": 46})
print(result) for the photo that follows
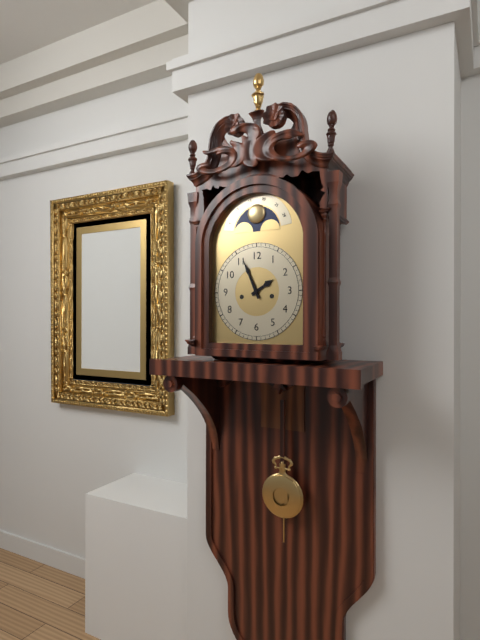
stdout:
{"hour": 1, "minute": 56}
